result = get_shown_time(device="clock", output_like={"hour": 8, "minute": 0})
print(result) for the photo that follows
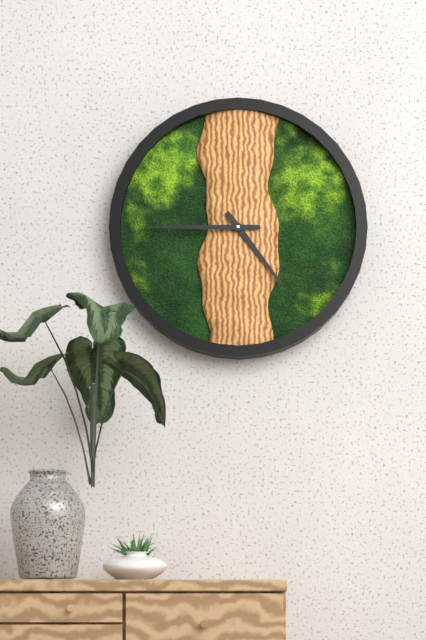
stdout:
{"hour": 4, "minute": 45}
